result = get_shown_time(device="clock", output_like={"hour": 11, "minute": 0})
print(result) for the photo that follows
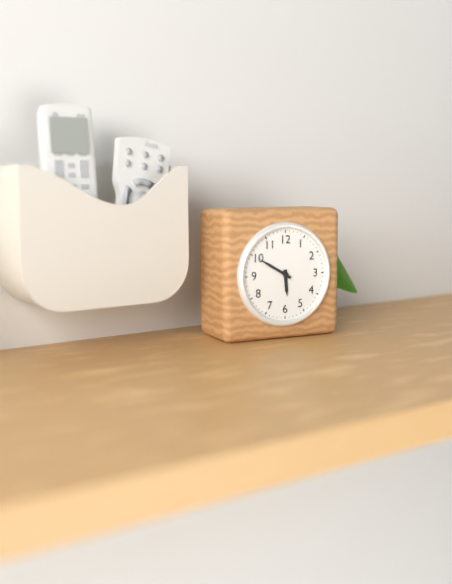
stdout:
{"hour": 5, "minute": 50}
